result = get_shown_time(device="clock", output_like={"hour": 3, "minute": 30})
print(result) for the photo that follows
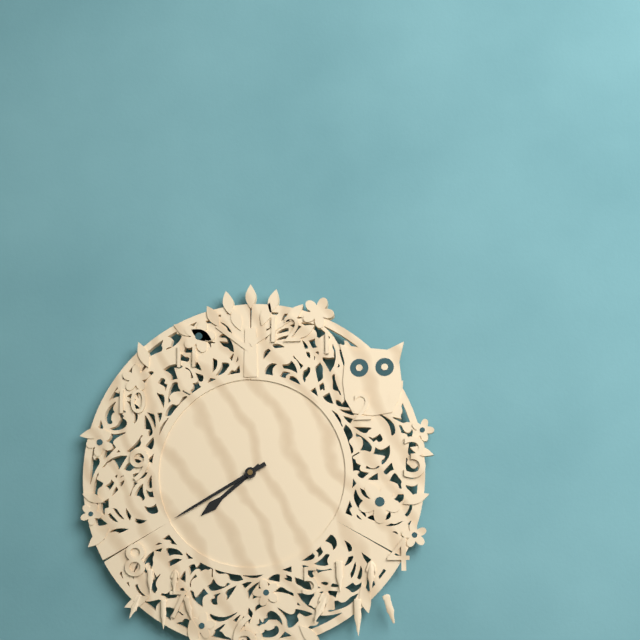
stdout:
{"hour": 7, "minute": 40}
